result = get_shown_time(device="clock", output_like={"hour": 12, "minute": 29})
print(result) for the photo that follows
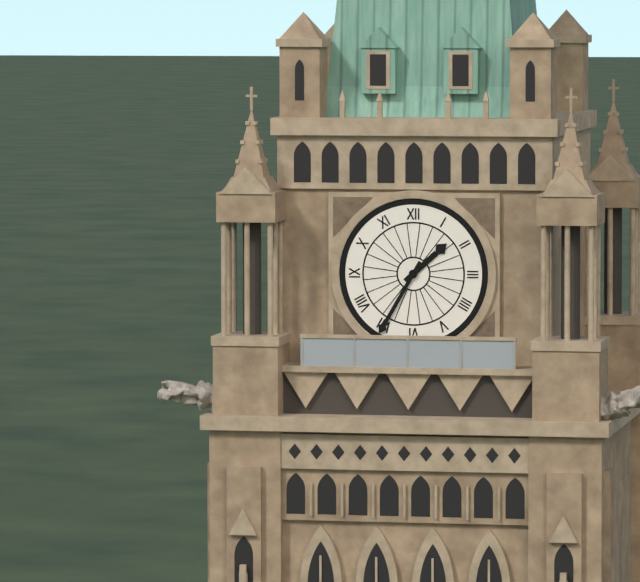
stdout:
{"hour": 1, "minute": 35}
